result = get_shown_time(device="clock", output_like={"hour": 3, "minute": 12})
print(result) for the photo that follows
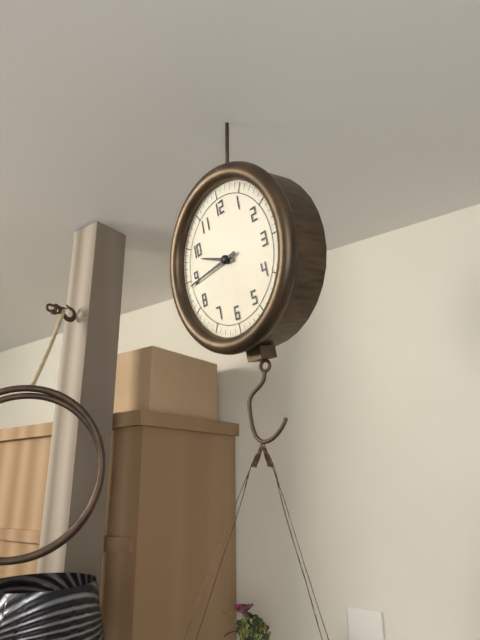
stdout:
{"hour": 9, "minute": 44}
